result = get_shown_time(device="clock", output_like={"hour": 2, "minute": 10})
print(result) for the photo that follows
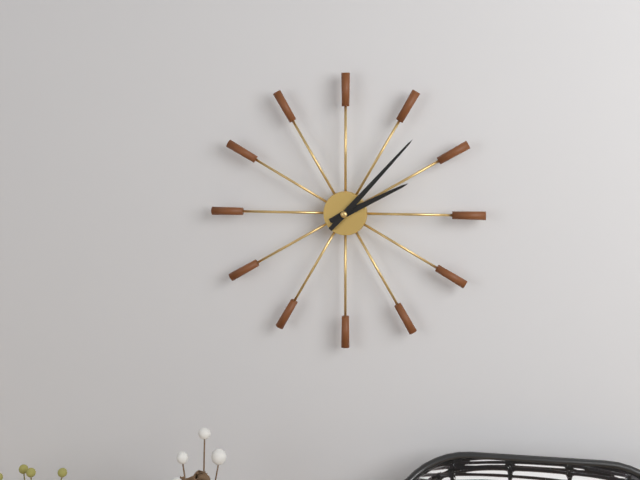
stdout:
{"hour": 2, "minute": 7}
